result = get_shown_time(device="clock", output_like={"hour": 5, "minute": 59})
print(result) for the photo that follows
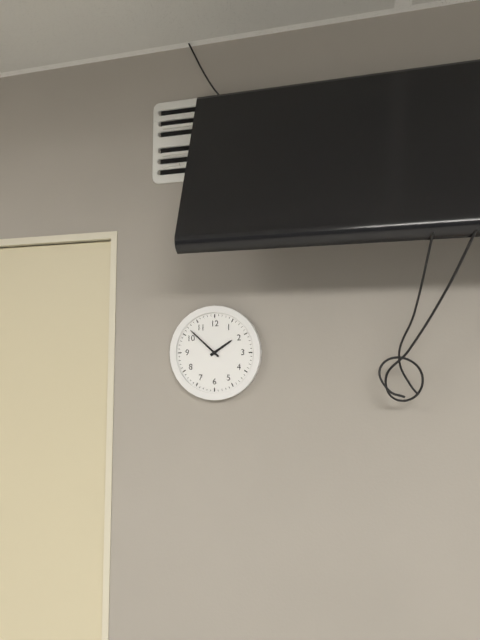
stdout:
{"hour": 1, "minute": 52}
